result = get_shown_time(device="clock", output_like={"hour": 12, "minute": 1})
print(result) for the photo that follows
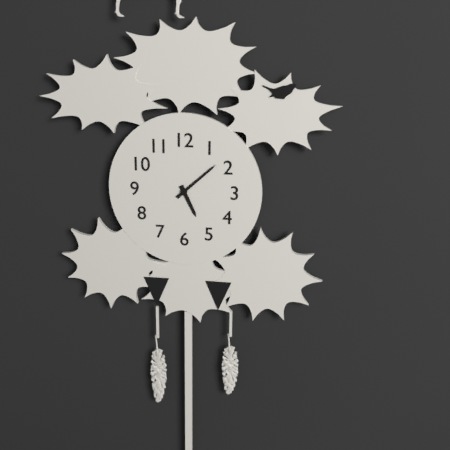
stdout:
{"hour": 5, "minute": 8}
